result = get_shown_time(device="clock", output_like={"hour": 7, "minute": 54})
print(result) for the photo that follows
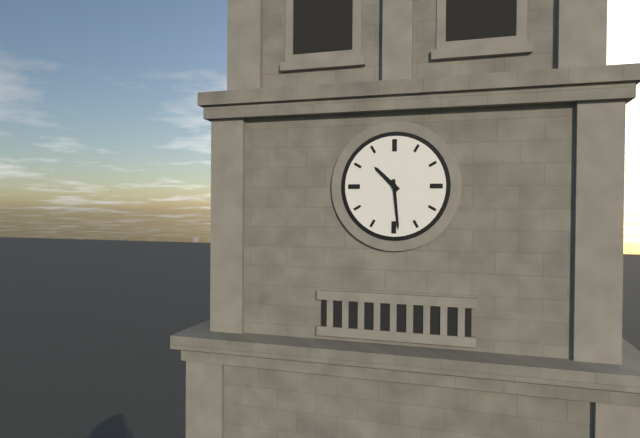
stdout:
{"hour": 10, "minute": 29}
